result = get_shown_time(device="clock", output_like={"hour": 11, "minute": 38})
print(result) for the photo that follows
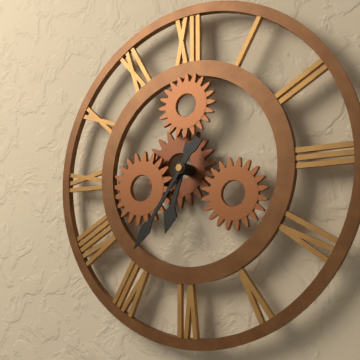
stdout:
{"hour": 6, "minute": 36}
